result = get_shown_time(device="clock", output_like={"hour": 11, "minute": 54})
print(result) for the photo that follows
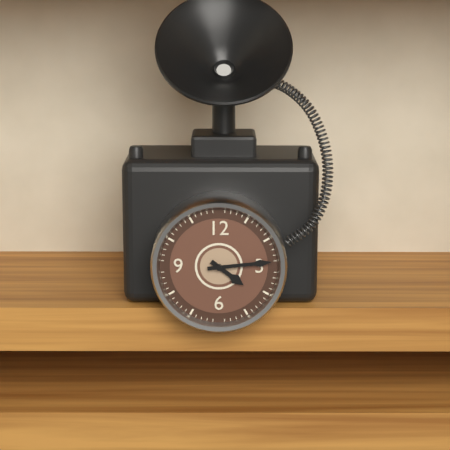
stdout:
{"hour": 4, "minute": 14}
